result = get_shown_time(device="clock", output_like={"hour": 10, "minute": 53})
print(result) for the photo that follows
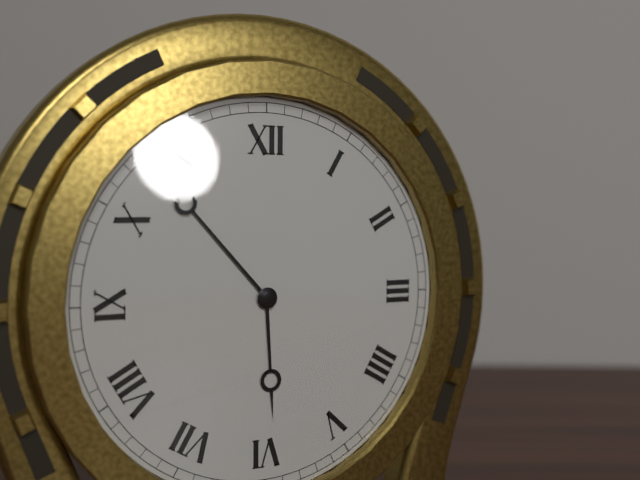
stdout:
{"hour": 5, "minute": 53}
